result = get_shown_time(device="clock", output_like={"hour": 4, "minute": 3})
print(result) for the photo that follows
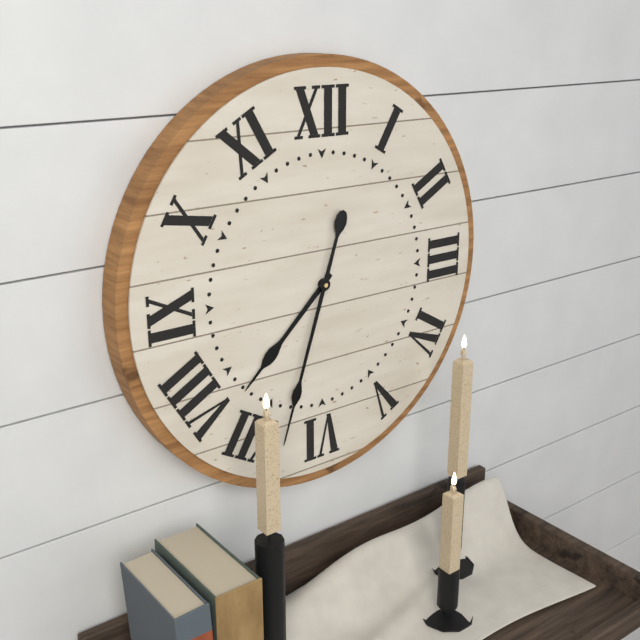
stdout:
{"hour": 7, "minute": 33}
